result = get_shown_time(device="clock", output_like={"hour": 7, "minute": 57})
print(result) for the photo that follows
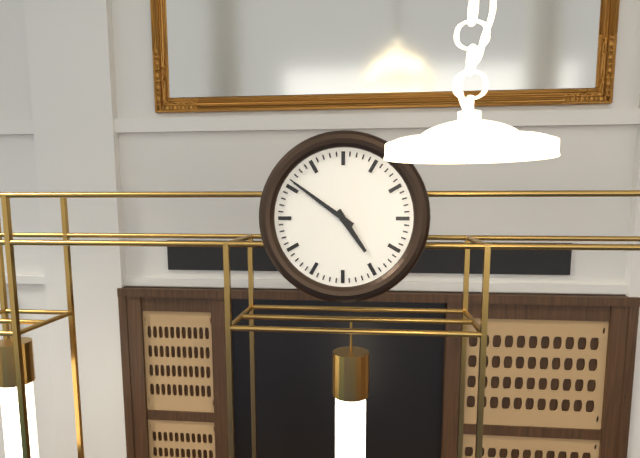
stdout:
{"hour": 4, "minute": 51}
